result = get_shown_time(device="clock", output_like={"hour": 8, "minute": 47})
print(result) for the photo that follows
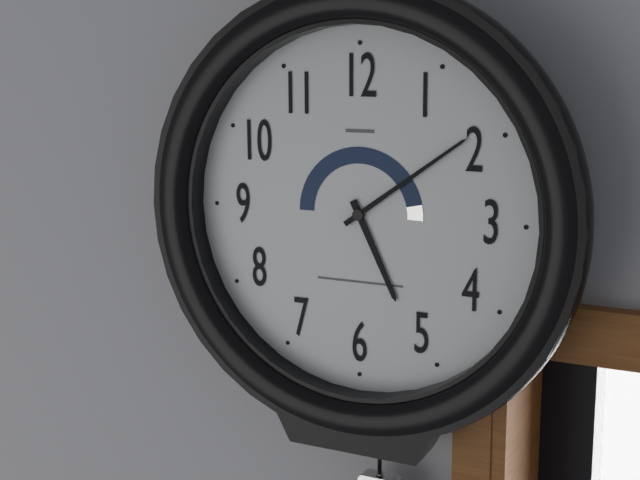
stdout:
{"hour": 5, "minute": 9}
